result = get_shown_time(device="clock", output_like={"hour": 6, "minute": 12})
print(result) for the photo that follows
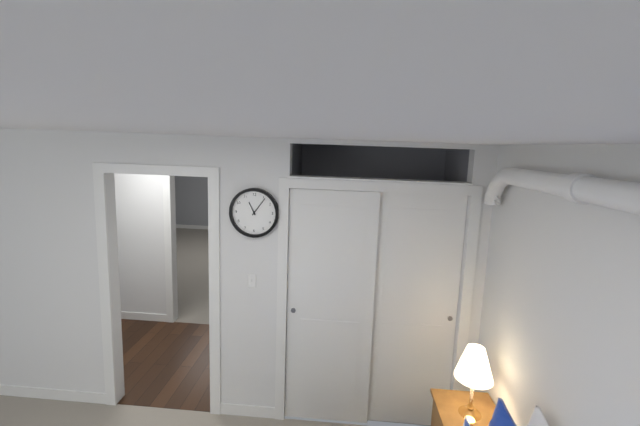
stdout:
{"hour": 11, "minute": 6}
